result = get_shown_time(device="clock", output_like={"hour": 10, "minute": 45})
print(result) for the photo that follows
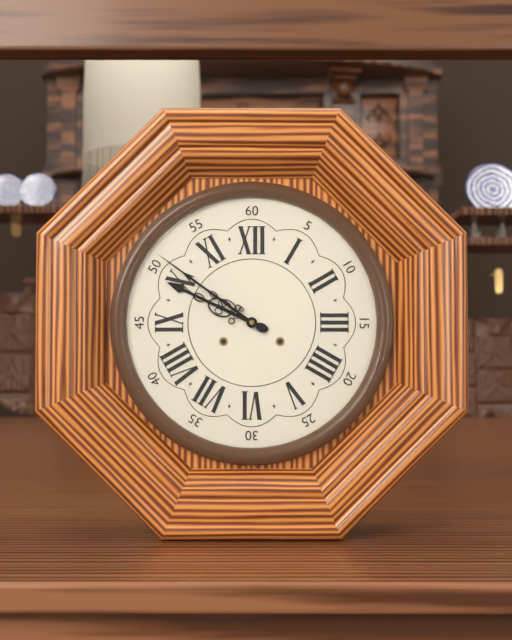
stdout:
{"hour": 9, "minute": 51}
